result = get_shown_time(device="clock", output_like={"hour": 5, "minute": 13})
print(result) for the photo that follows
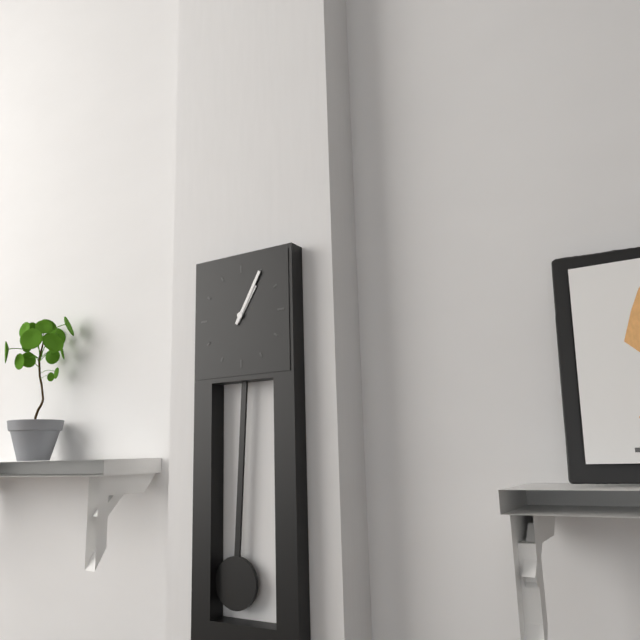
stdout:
{"hour": 1, "minute": 5}
